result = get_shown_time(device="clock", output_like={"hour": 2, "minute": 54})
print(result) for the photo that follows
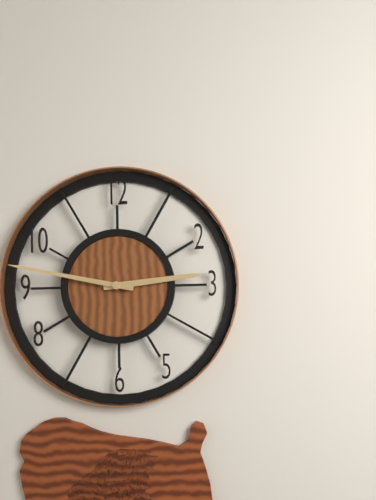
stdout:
{"hour": 2, "minute": 47}
